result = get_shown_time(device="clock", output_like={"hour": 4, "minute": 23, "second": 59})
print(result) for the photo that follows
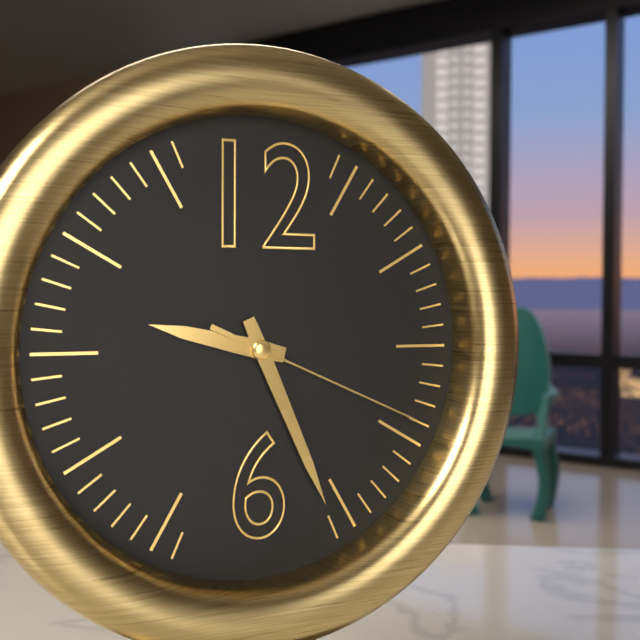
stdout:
{"hour": 9, "minute": 26, "second": 19}
